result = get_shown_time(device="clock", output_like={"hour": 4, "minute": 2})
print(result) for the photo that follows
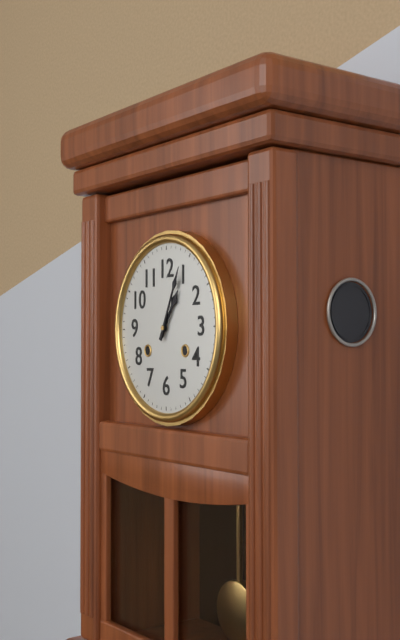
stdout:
{"hour": 1, "minute": 4}
